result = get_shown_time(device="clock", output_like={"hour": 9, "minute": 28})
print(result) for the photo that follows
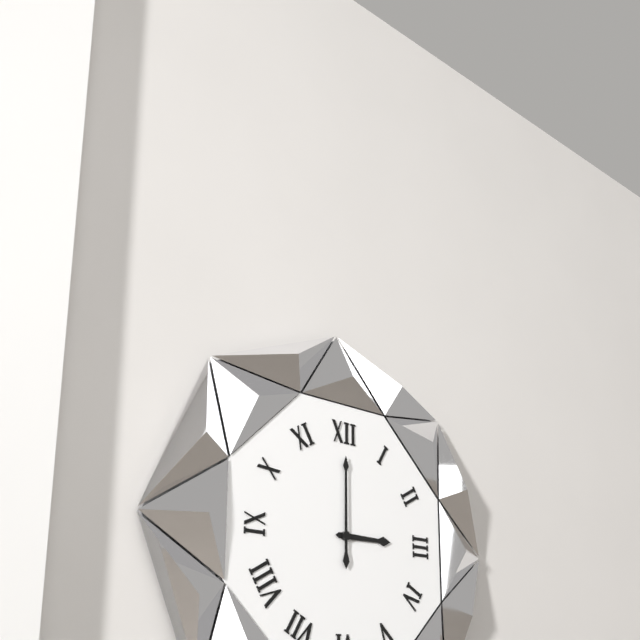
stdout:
{"hour": 3, "minute": 0}
